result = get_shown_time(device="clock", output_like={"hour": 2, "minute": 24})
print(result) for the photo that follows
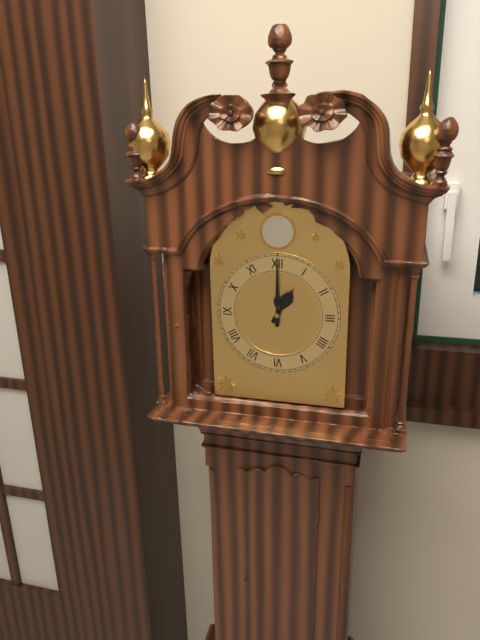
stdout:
{"hour": 1, "minute": 0}
